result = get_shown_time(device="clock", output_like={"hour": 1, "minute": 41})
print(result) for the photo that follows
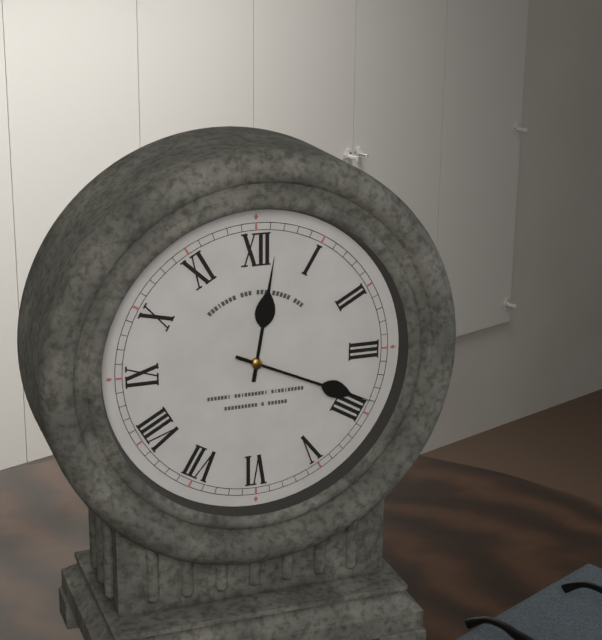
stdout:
{"hour": 12, "minute": 19}
